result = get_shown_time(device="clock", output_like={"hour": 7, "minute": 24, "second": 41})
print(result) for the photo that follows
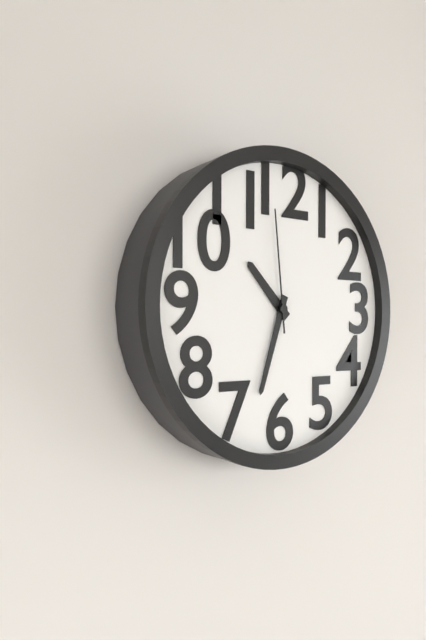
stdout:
{"hour": 10, "minute": 33, "second": 59}
